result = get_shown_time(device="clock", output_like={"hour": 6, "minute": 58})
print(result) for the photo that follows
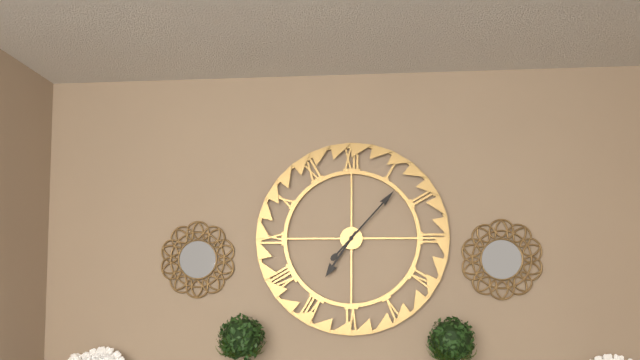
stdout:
{"hour": 7, "minute": 7}
